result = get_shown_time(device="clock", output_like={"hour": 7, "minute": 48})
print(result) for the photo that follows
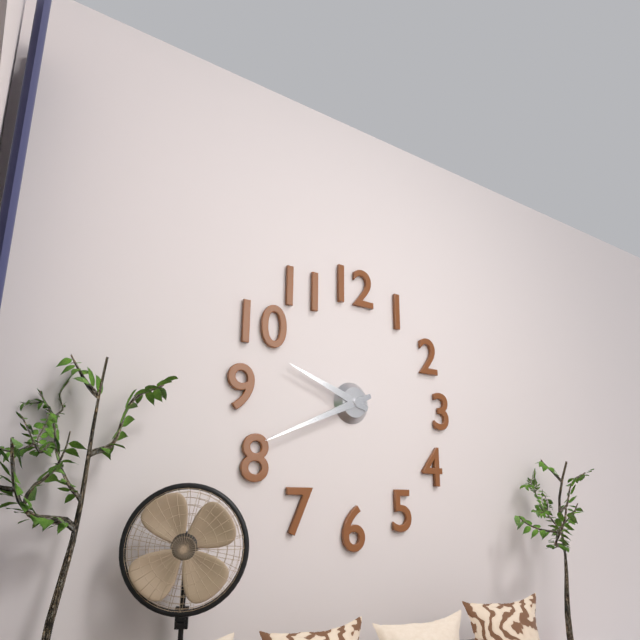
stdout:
{"hour": 9, "minute": 41}
